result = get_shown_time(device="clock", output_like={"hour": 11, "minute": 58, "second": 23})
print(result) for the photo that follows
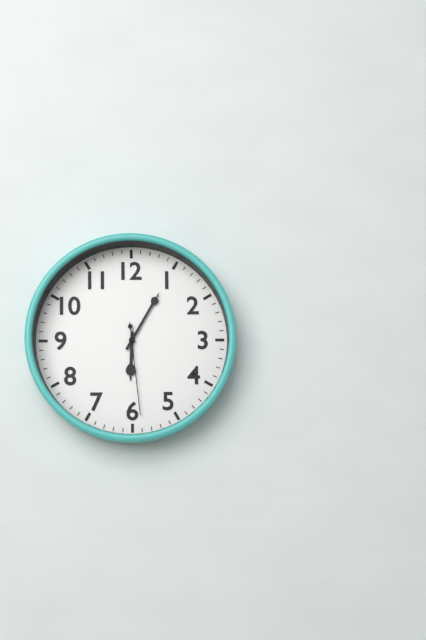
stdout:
{"hour": 6, "minute": 5, "second": 29}
